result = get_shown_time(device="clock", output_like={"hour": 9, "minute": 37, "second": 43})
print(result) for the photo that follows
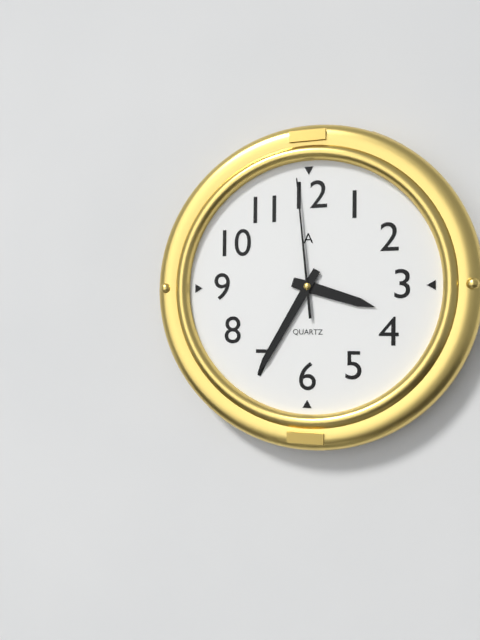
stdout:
{"hour": 3, "minute": 35, "second": 59}
